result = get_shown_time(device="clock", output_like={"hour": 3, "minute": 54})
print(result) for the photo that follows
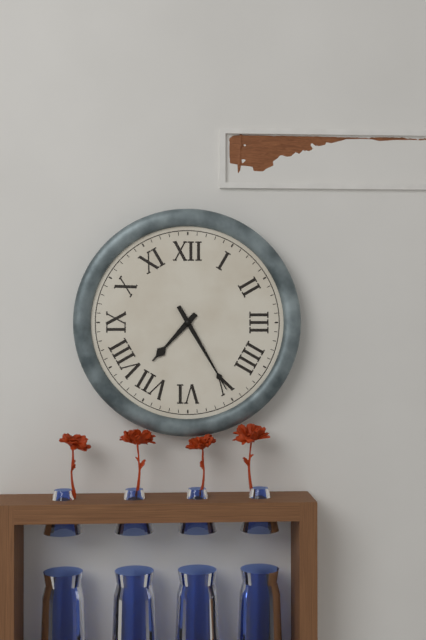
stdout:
{"hour": 7, "minute": 25}
